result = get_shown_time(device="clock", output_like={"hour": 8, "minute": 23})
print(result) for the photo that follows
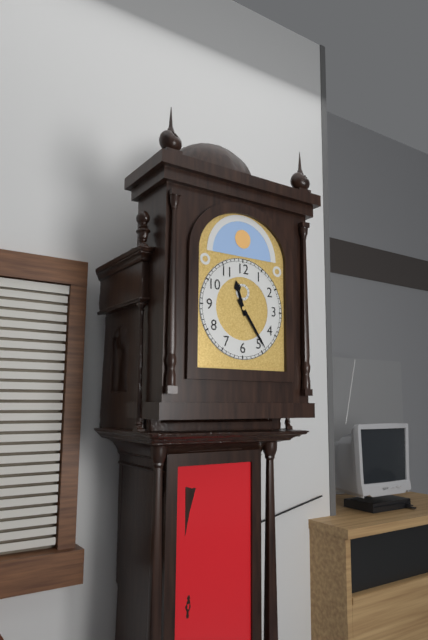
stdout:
{"hour": 11, "minute": 24}
